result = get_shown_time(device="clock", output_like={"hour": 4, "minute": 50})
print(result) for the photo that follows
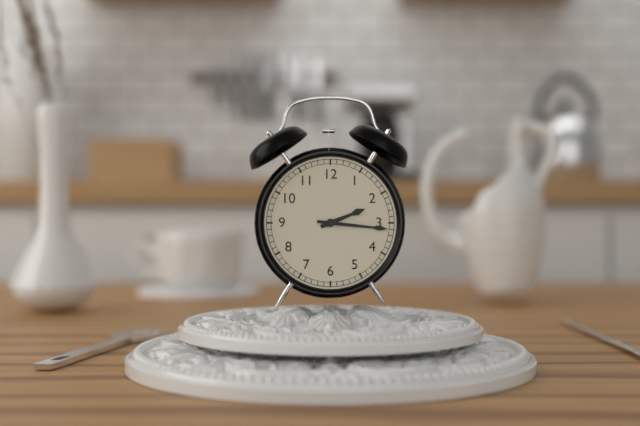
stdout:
{"hour": 2, "minute": 16}
